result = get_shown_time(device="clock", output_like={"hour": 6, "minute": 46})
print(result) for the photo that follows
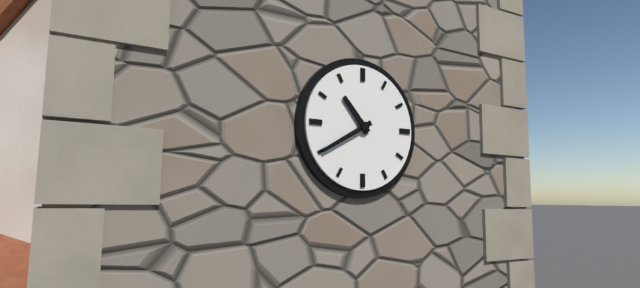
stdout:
{"hour": 10, "minute": 40}
